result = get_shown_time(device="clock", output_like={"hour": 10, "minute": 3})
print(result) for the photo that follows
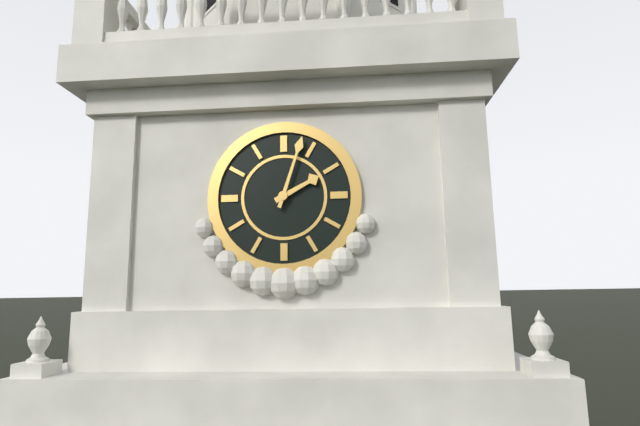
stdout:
{"hour": 2, "minute": 3}
